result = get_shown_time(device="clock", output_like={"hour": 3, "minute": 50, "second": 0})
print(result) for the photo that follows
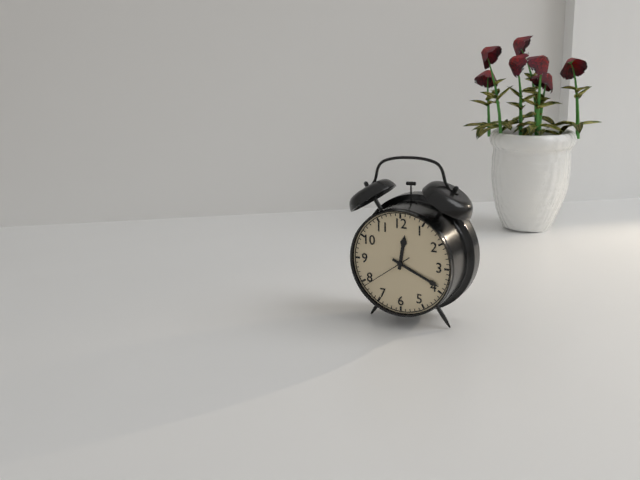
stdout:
{"hour": 12, "minute": 19, "second": 39}
